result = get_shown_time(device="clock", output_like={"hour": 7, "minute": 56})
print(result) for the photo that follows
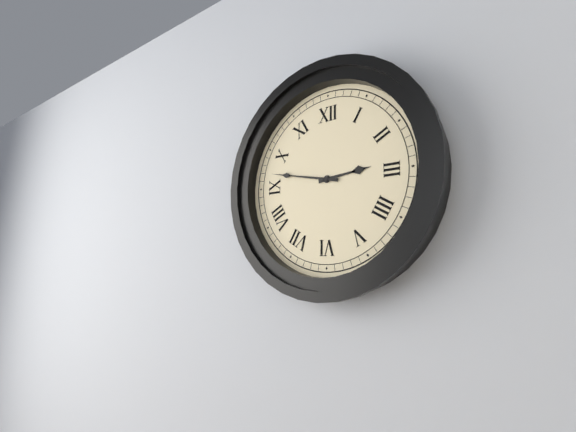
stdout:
{"hour": 2, "minute": 47}
